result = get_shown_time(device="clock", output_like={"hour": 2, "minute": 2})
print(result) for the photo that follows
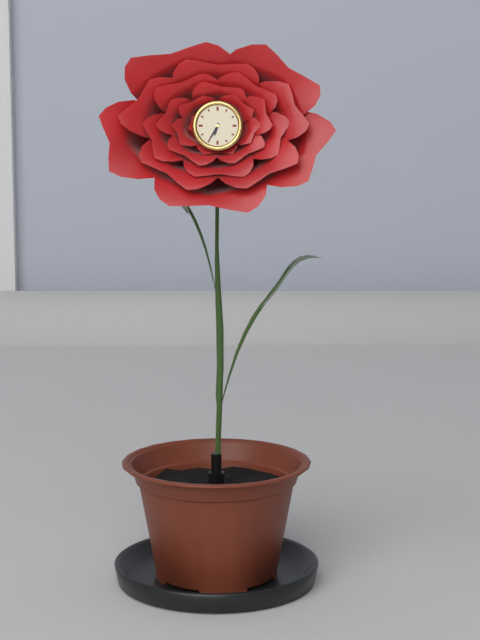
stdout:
{"hour": 6, "minute": 35}
